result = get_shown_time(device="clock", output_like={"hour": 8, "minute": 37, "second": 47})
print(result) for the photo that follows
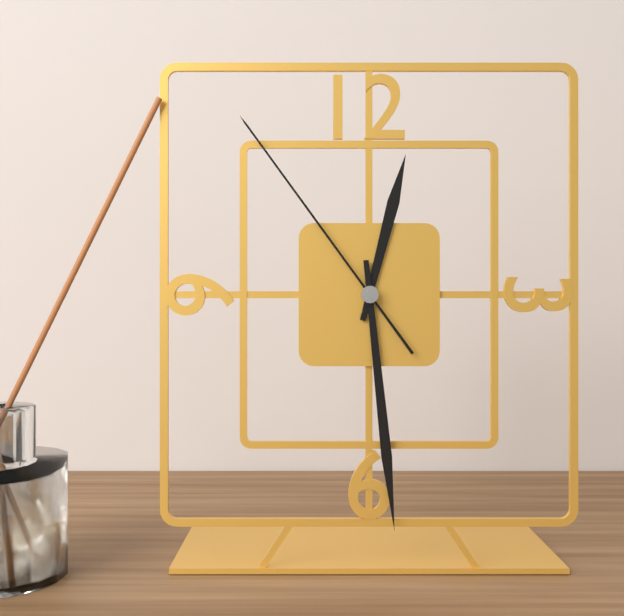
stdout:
{"hour": 12, "minute": 29, "second": 54}
